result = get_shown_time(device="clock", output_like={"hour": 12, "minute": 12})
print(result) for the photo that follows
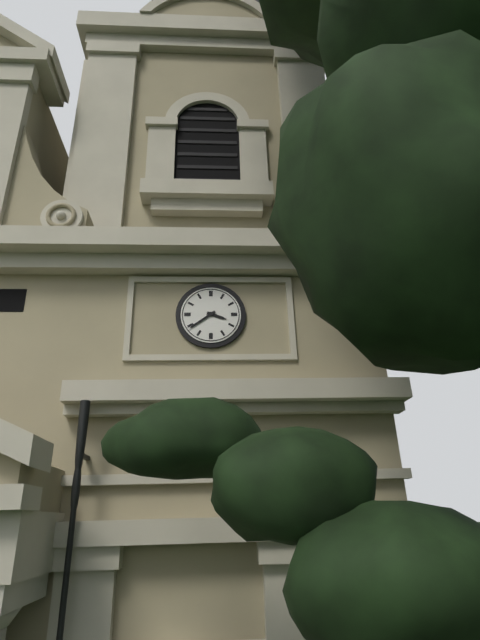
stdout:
{"hour": 3, "minute": 39}
